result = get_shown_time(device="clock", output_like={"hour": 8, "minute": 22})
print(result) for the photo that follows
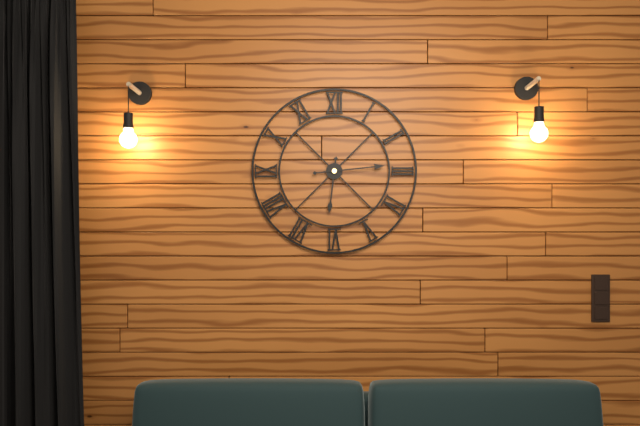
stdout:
{"hour": 6, "minute": 14}
